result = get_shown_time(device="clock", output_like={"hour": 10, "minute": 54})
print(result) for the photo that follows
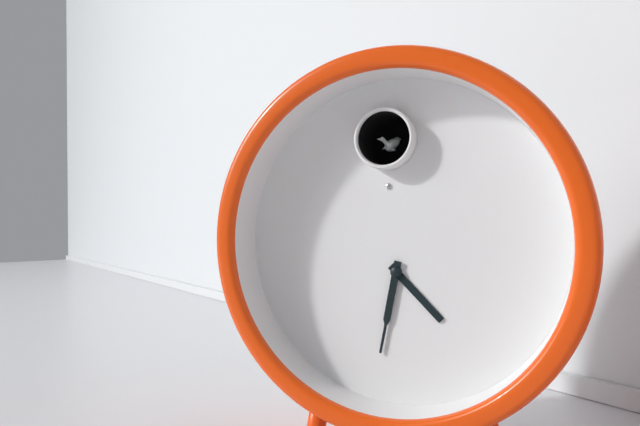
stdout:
{"hour": 4, "minute": 32}
